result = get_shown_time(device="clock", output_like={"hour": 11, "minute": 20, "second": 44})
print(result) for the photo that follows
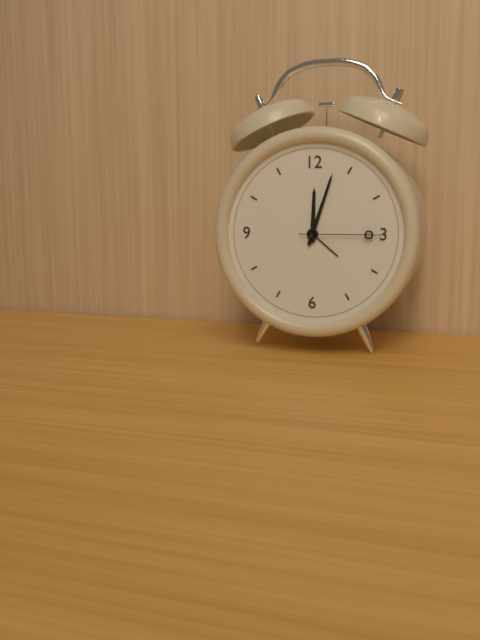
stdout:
{"hour": 12, "minute": 3, "second": 15}
